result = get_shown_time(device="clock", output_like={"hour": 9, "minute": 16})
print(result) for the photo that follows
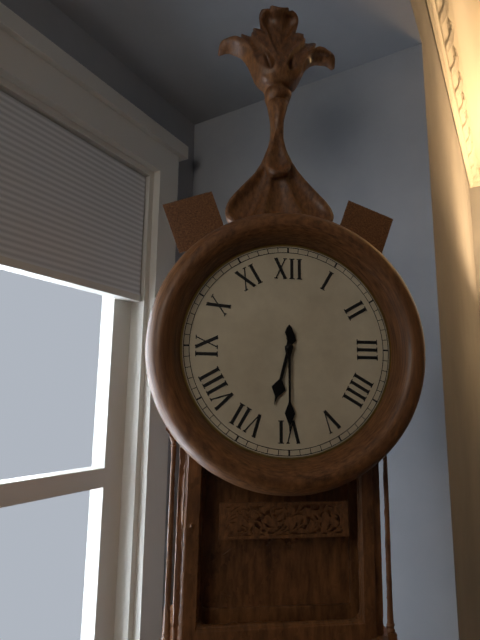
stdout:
{"hour": 6, "minute": 30}
